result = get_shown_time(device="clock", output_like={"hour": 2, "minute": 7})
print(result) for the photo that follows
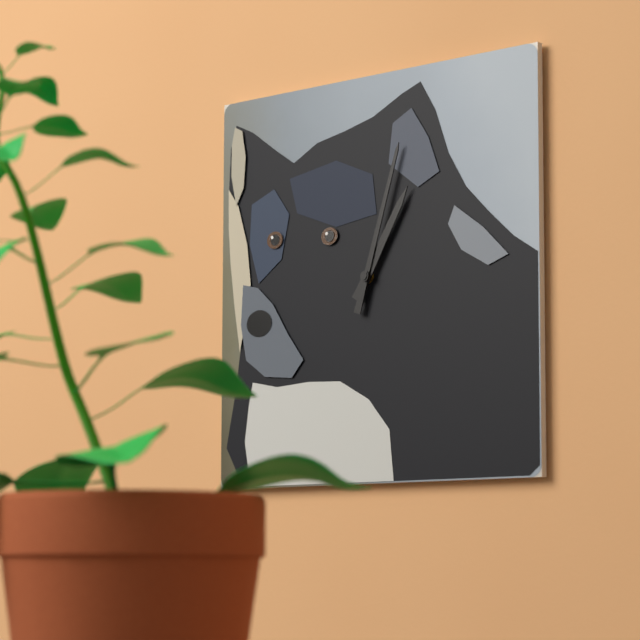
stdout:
{"hour": 1, "minute": 3}
